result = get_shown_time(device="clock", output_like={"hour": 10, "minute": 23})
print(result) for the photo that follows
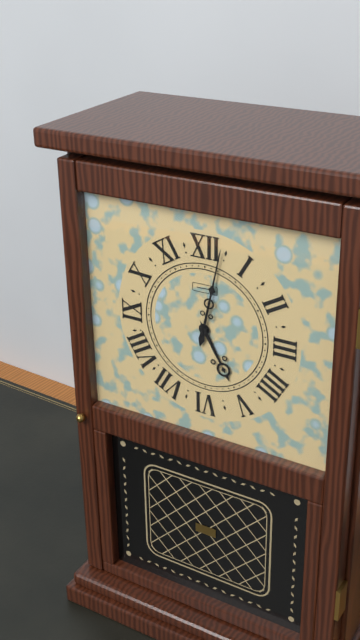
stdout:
{"hour": 5, "minute": 2}
